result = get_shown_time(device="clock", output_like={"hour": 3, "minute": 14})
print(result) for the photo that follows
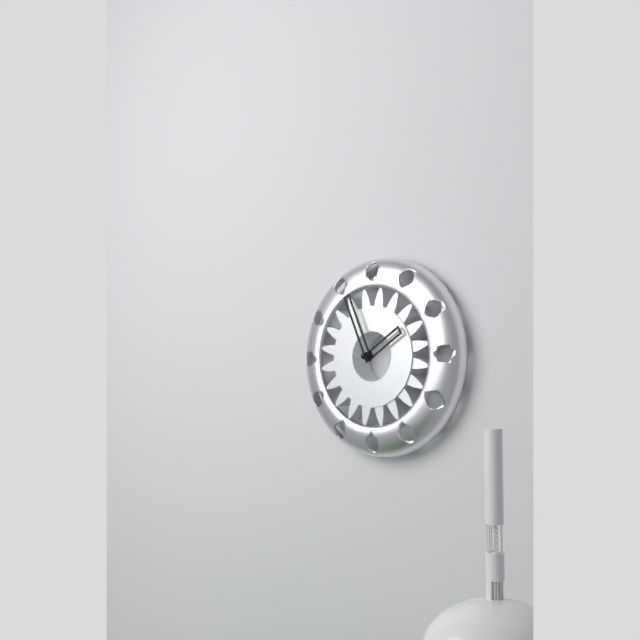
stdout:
{"hour": 1, "minute": 56}
